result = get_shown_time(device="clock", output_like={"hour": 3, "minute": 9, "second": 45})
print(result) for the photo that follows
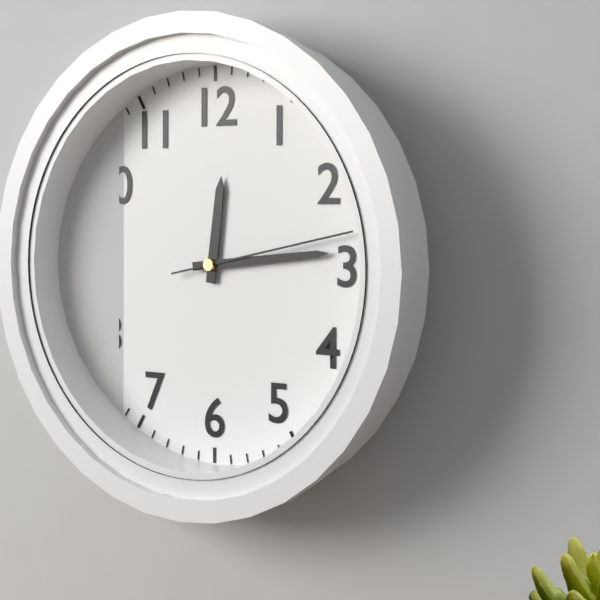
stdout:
{"hour": 12, "minute": 14, "second": 13}
